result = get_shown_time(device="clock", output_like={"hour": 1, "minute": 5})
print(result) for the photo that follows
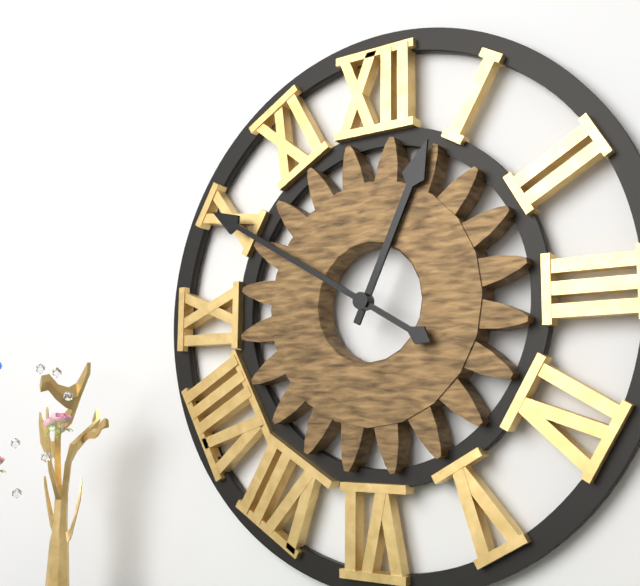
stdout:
{"hour": 12, "minute": 50}
